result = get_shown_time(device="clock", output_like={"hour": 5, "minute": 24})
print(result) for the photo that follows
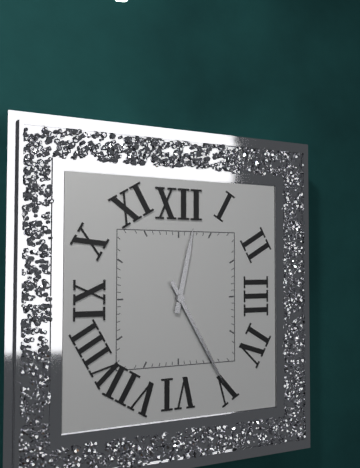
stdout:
{"hour": 12, "minute": 25}
